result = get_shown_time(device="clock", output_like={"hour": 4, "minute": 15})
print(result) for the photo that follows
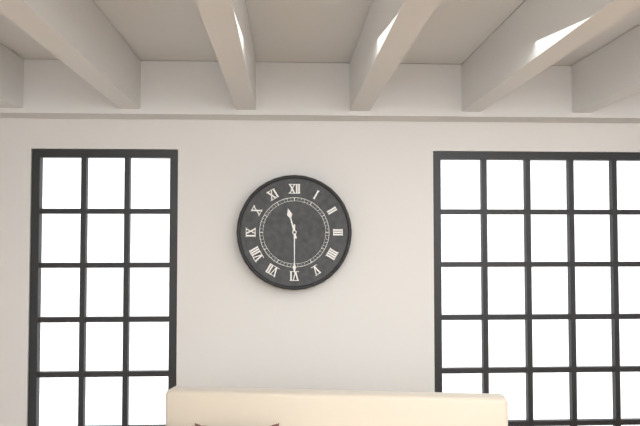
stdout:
{"hour": 11, "minute": 30}
